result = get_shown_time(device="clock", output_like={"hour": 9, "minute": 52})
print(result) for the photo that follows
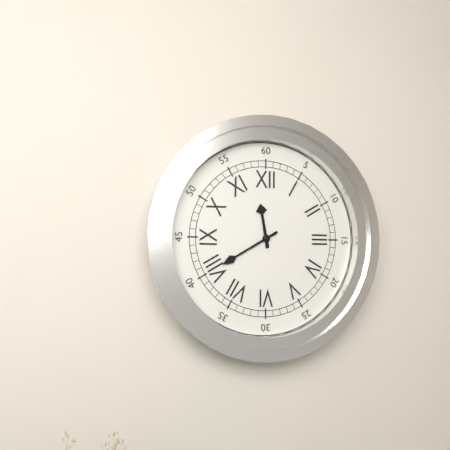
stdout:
{"hour": 11, "minute": 40}
